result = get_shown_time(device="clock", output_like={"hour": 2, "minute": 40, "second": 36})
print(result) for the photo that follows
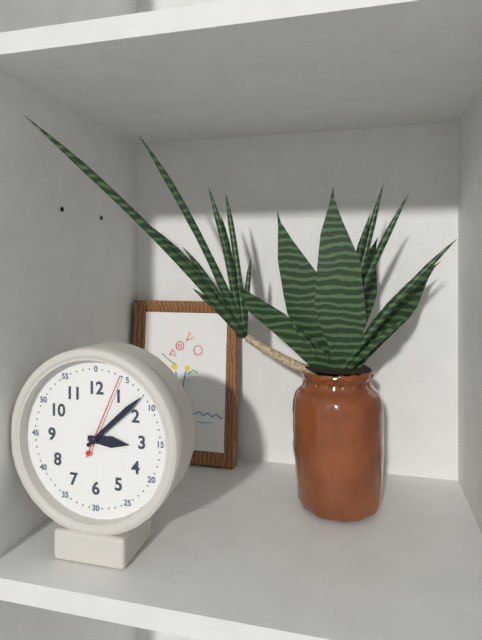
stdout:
{"hour": 3, "minute": 8, "second": 4}
